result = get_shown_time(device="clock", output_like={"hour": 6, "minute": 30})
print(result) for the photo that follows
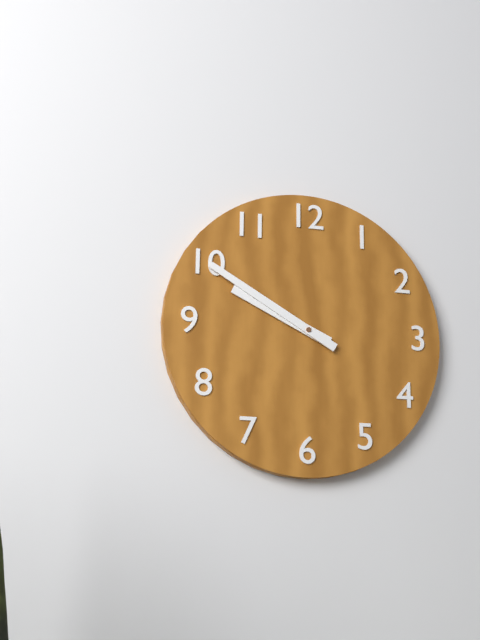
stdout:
{"hour": 9, "minute": 50}
